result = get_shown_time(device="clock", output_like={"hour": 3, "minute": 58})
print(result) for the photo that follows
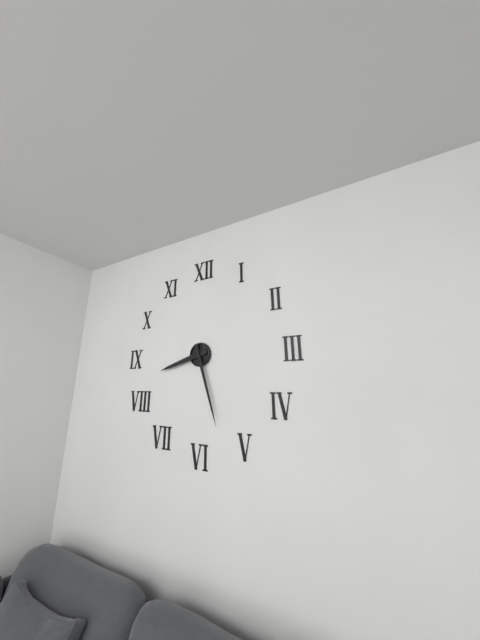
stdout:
{"hour": 8, "minute": 27}
